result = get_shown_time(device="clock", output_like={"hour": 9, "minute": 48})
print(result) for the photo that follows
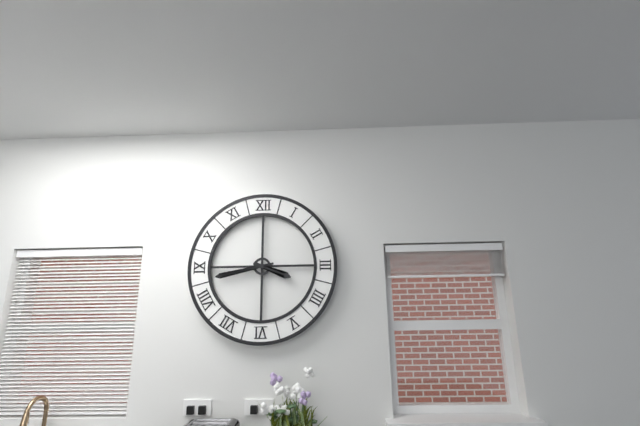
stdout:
{"hour": 3, "minute": 43}
